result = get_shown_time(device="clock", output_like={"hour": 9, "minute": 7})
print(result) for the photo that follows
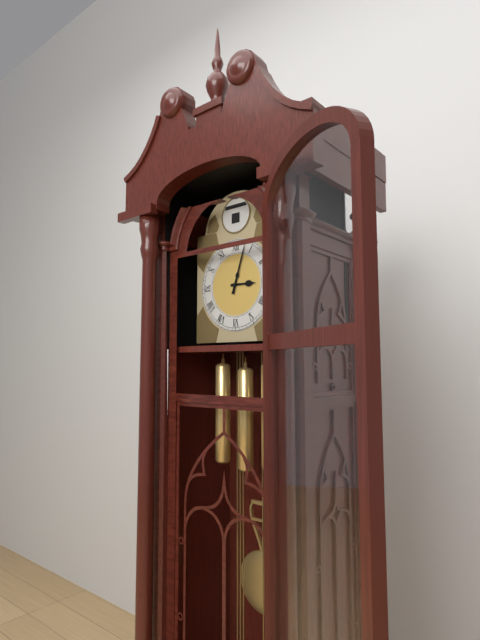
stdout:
{"hour": 3, "minute": 3}
